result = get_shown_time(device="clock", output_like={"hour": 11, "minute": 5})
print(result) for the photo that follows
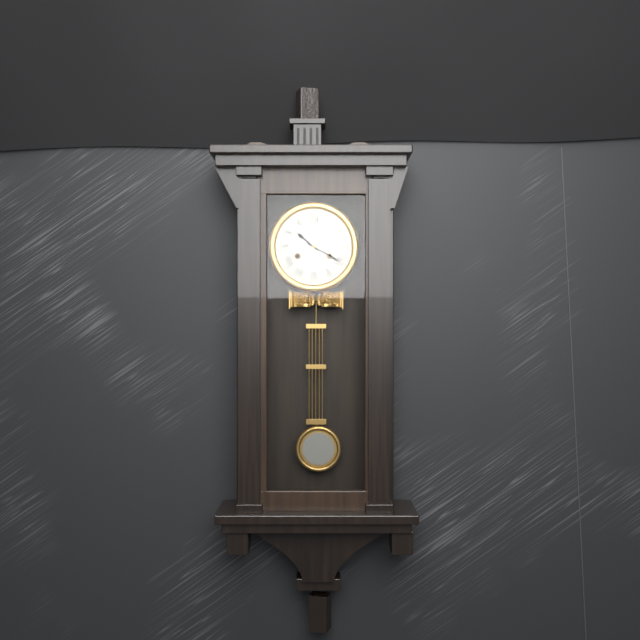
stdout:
{"hour": 10, "minute": 20}
